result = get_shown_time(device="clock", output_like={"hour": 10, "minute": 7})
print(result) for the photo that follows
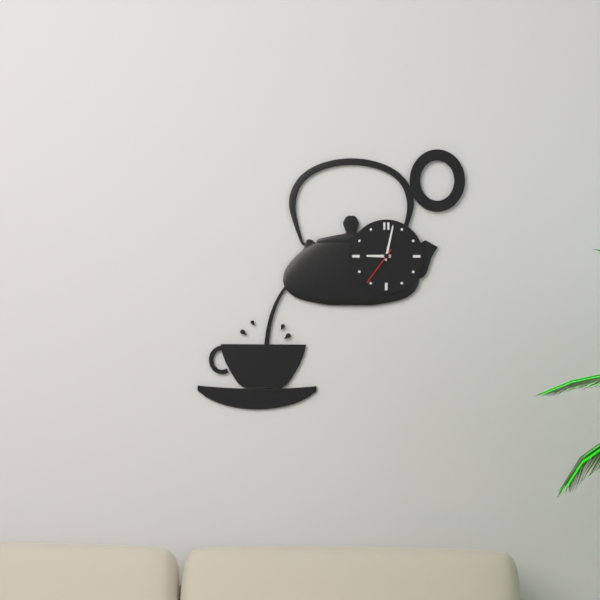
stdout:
{"hour": 9, "minute": 2}
